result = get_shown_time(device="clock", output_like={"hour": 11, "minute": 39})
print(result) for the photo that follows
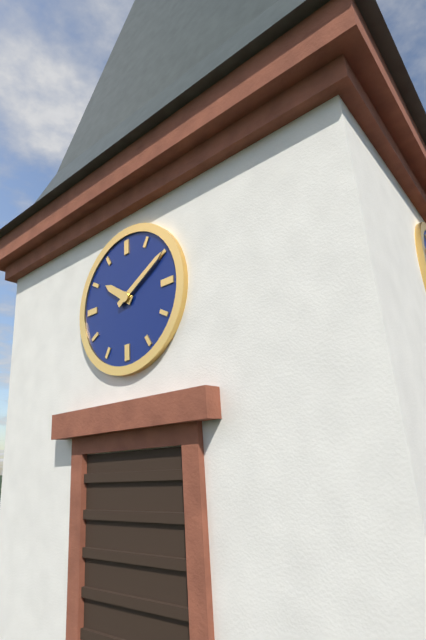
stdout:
{"hour": 10, "minute": 10}
